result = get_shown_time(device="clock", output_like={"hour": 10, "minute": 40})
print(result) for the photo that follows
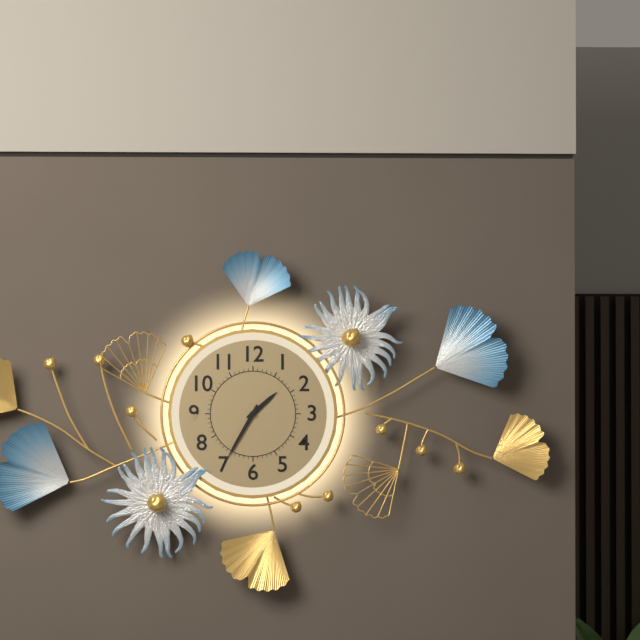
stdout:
{"hour": 1, "minute": 35}
